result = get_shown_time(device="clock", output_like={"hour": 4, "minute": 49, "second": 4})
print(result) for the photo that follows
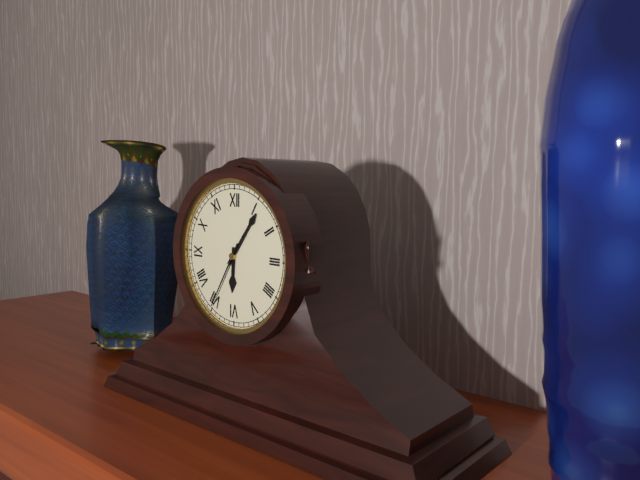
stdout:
{"hour": 6, "minute": 6, "second": 35}
